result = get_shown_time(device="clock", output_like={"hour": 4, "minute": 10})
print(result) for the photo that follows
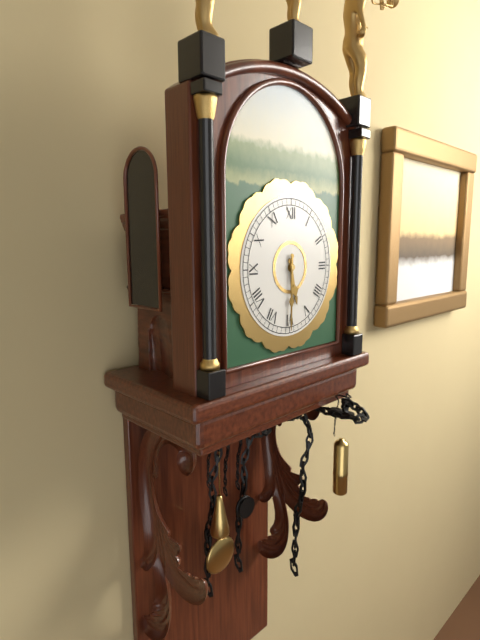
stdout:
{"hour": 5, "minute": 30}
